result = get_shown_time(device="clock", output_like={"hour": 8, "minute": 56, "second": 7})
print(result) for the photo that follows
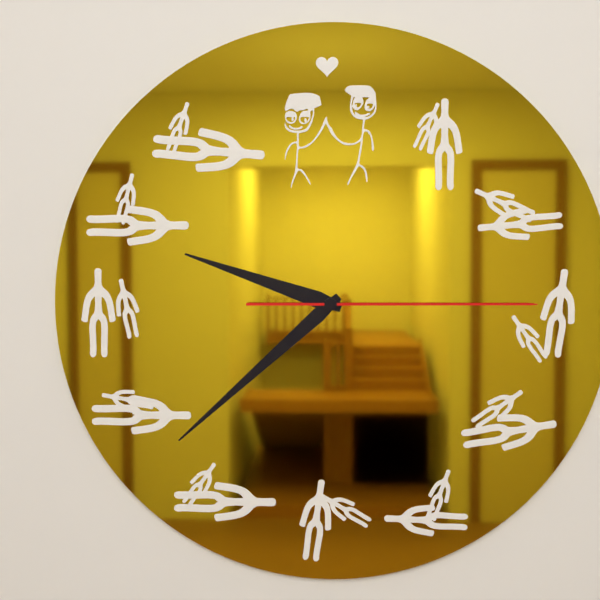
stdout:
{"hour": 9, "minute": 38, "second": 15}
